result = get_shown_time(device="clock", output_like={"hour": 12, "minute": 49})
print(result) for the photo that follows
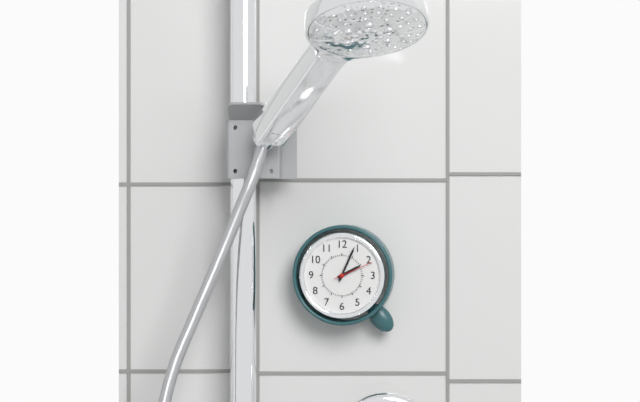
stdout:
{"hour": 2, "minute": 4}
